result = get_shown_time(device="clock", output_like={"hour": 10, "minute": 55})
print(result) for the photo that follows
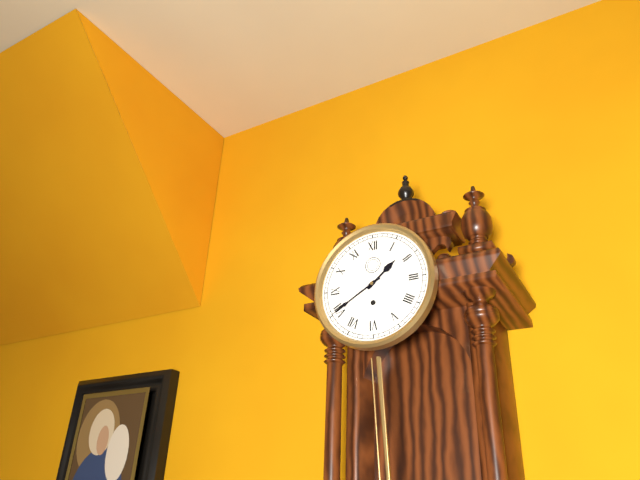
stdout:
{"hour": 1, "minute": 40}
